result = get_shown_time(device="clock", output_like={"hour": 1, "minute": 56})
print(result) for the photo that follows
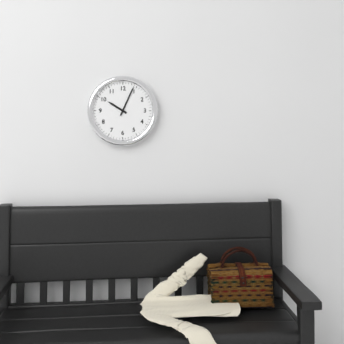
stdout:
{"hour": 10, "minute": 4}
